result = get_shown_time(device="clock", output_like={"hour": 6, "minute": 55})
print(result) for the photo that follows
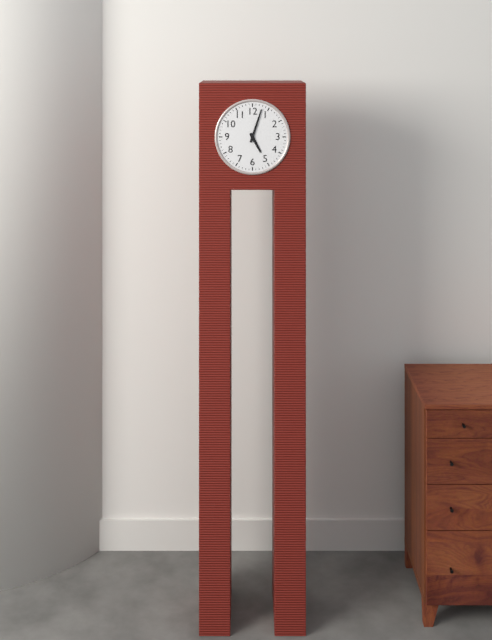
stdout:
{"hour": 5, "minute": 3}
